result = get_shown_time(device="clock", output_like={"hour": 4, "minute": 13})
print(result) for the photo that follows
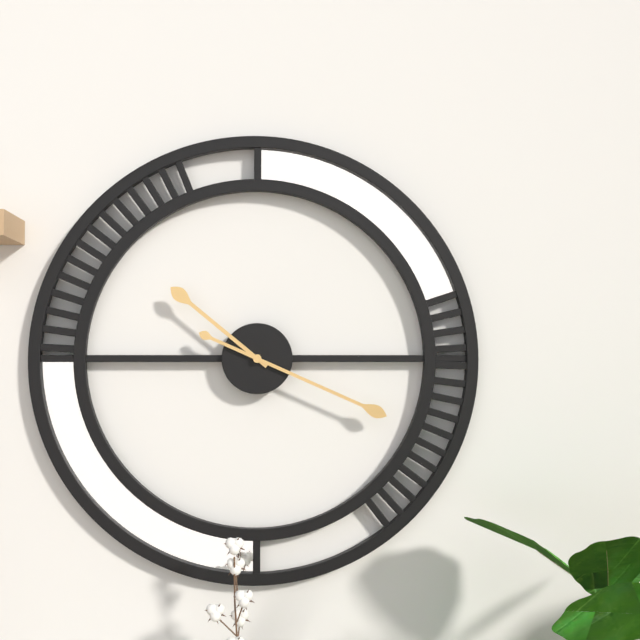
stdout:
{"hour": 10, "minute": 19}
